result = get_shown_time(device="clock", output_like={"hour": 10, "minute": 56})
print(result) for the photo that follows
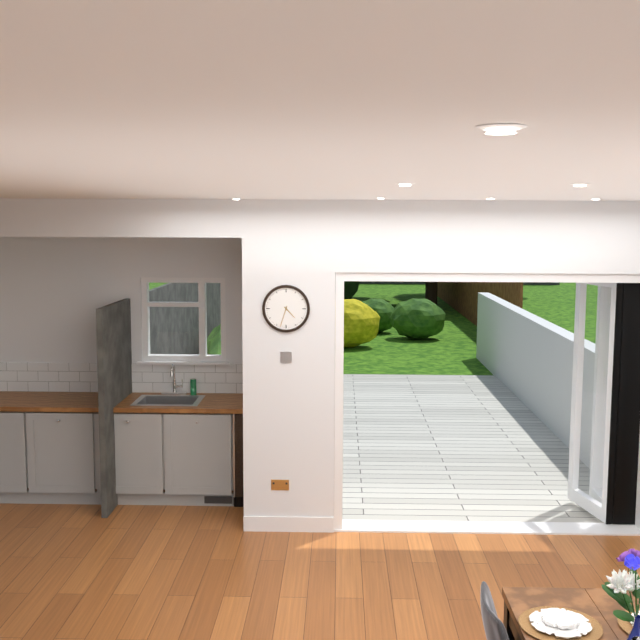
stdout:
{"hour": 4, "minute": 33}
